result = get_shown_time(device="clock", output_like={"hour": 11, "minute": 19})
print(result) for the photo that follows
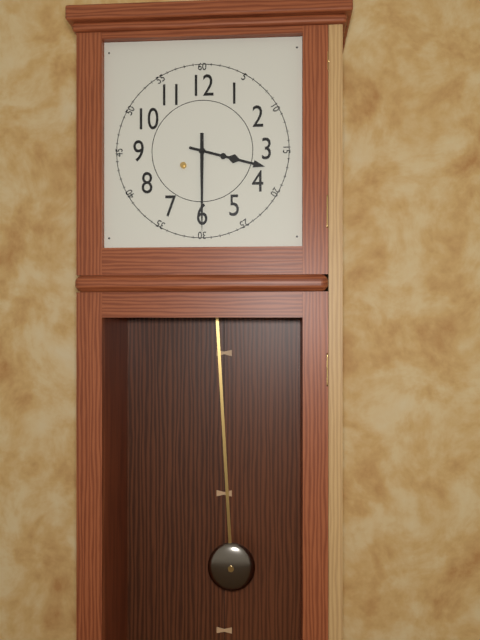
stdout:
{"hour": 3, "minute": 30}
